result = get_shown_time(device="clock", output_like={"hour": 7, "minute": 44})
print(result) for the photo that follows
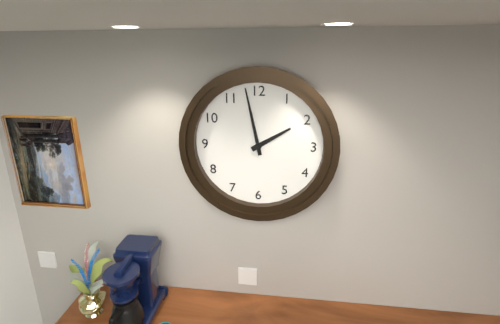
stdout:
{"hour": 1, "minute": 58}
